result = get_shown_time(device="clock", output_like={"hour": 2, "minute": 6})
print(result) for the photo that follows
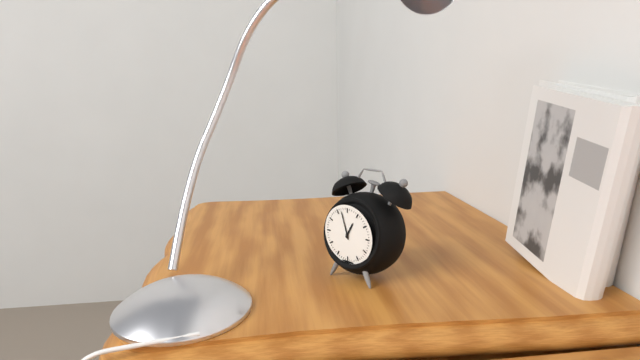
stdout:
{"hour": 12, "minute": 57}
